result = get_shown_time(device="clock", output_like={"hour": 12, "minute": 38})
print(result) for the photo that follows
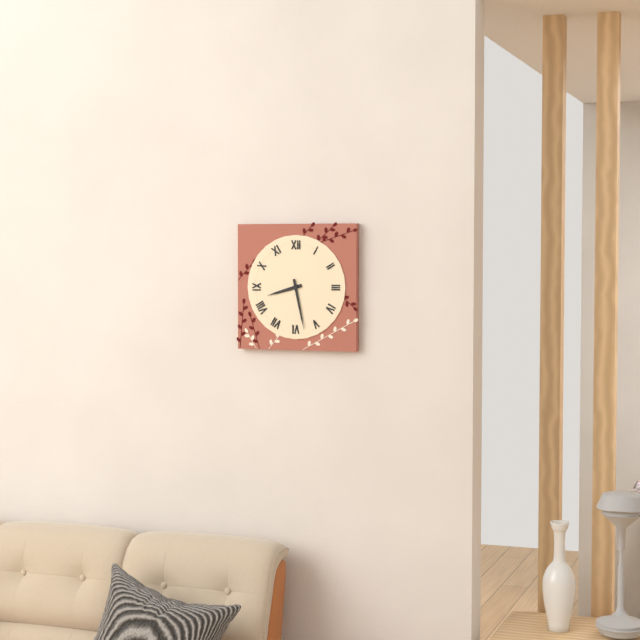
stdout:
{"hour": 8, "minute": 28}
